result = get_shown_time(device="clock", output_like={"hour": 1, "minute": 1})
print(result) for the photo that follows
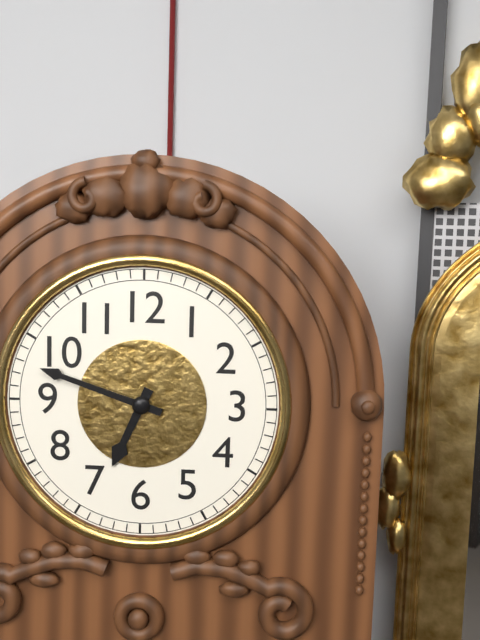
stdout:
{"hour": 6, "minute": 48}
